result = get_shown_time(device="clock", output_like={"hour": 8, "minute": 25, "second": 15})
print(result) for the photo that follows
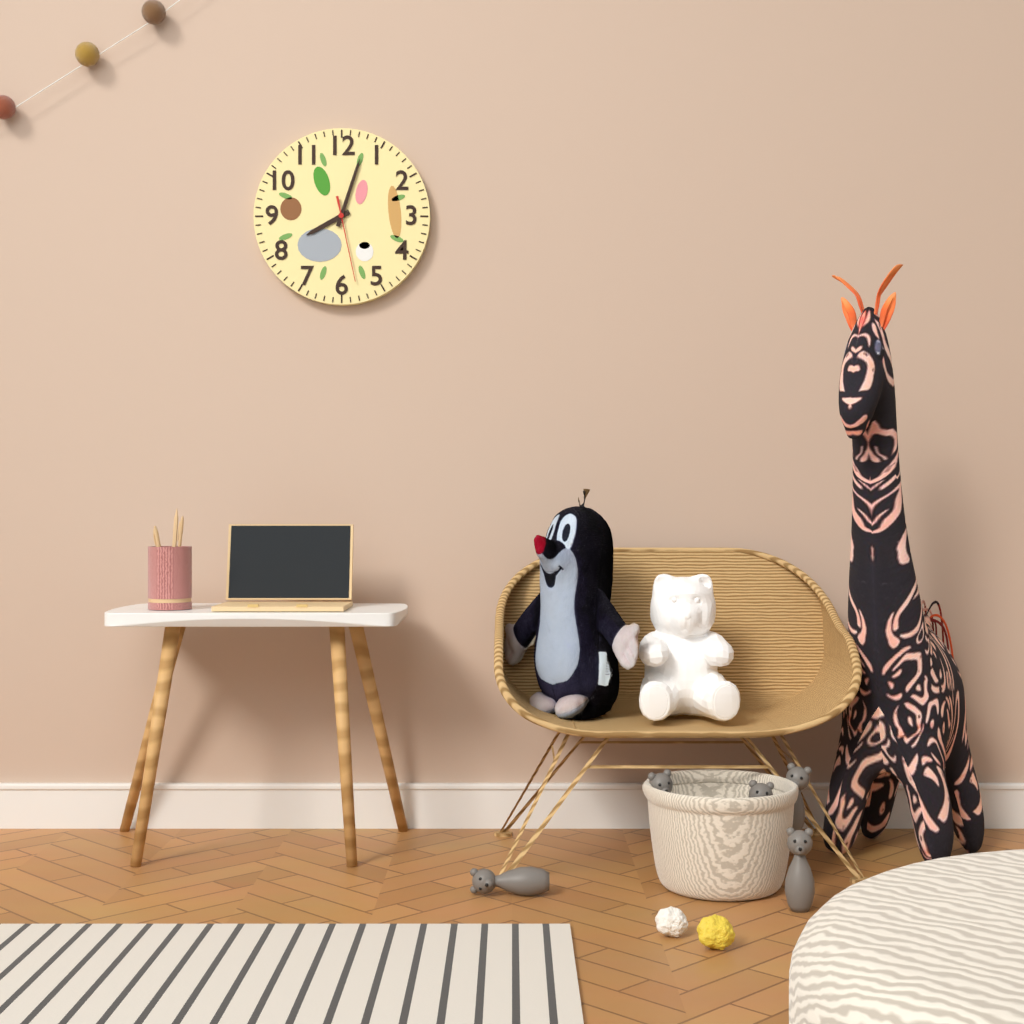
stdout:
{"hour": 8, "minute": 3, "second": 28}
